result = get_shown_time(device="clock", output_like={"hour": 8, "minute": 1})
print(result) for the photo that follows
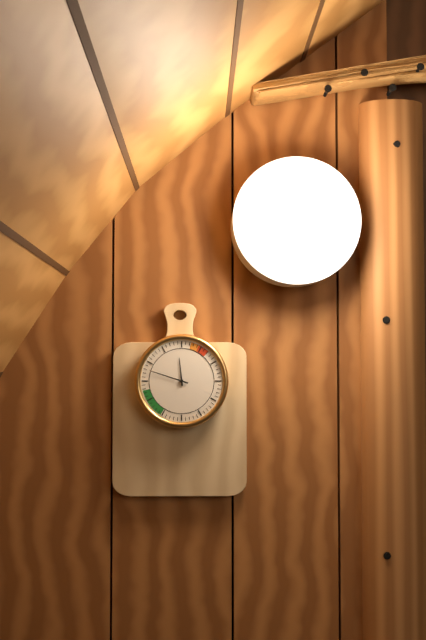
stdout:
{"hour": 11, "minute": 48}
